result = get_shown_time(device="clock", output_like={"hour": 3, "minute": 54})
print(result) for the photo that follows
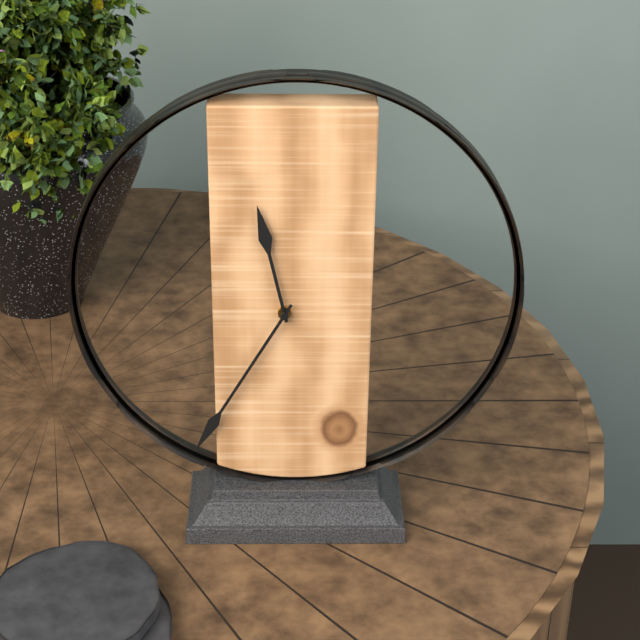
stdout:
{"hour": 11, "minute": 35}
